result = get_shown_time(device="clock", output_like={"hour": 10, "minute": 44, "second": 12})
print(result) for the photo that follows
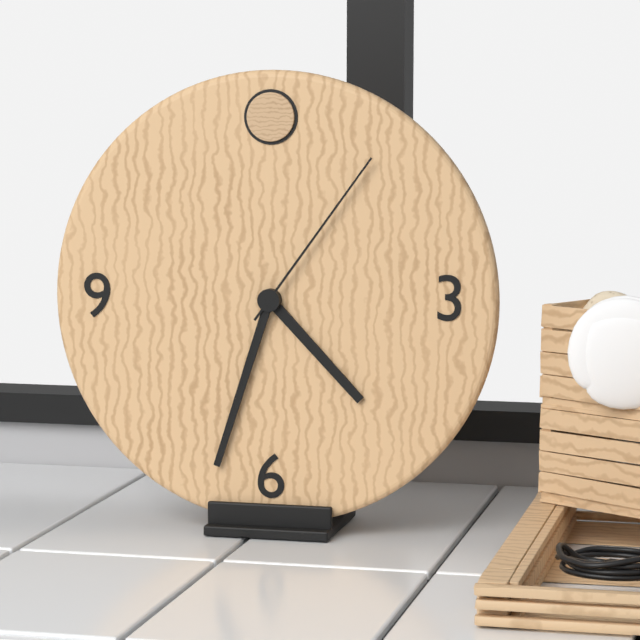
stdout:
{"hour": 4, "minute": 33, "second": 6}
